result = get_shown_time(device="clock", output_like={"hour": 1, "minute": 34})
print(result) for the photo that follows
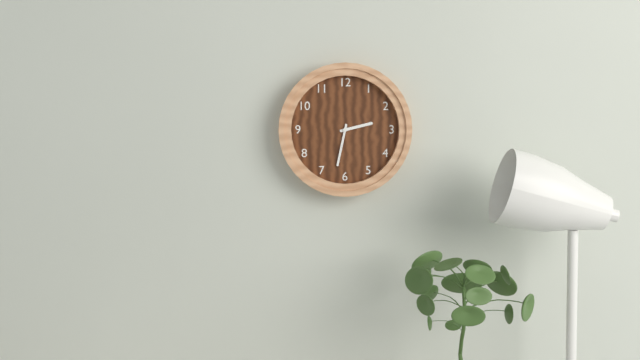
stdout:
{"hour": 2, "minute": 32}
